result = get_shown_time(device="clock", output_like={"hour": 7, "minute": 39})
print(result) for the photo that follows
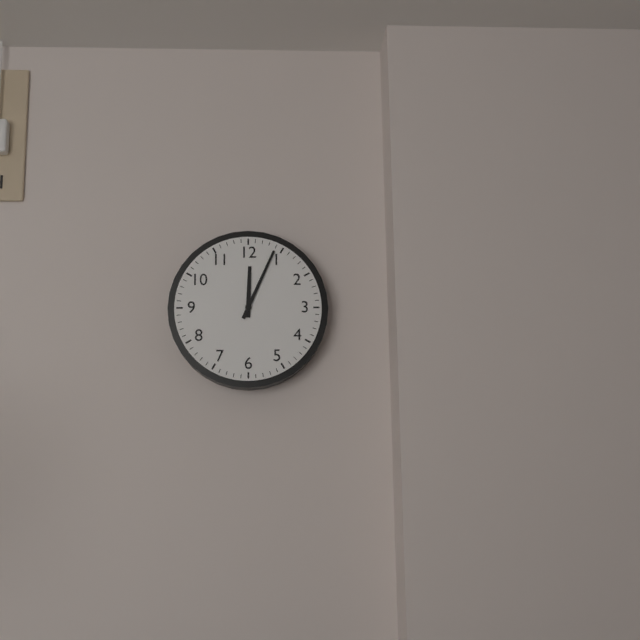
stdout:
{"hour": 12, "minute": 4}
